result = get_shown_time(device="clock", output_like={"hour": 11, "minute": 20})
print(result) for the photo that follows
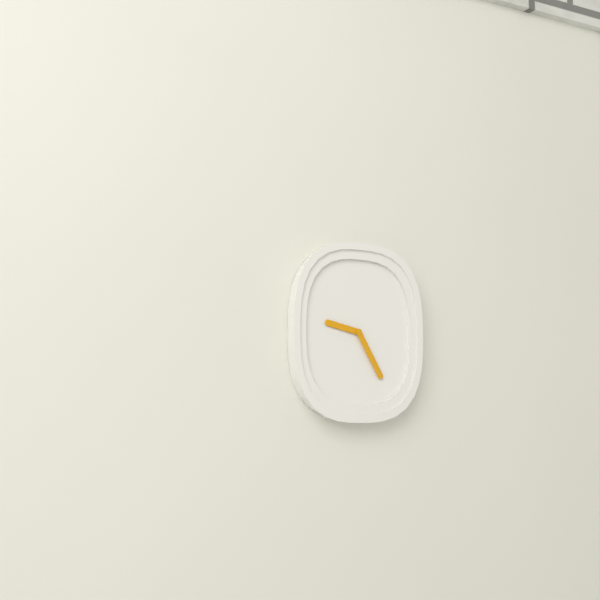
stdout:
{"hour": 9, "minute": 25}
